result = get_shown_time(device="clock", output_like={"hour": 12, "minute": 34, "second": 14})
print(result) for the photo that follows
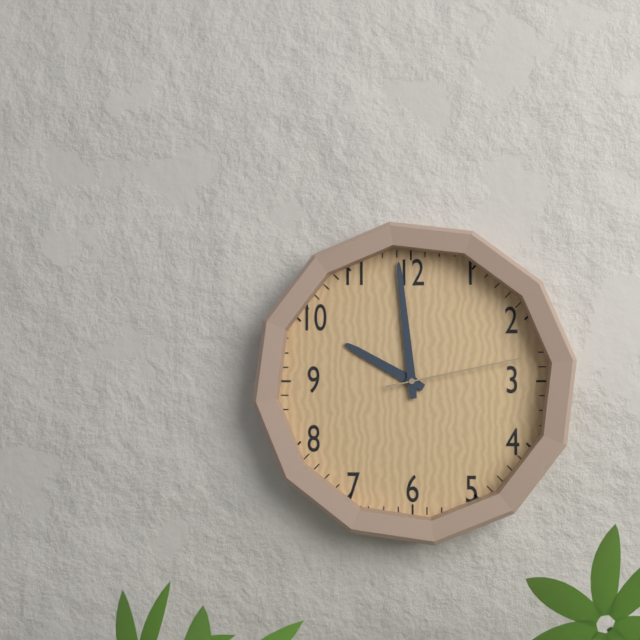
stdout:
{"hour": 9, "minute": 59, "second": 13}
